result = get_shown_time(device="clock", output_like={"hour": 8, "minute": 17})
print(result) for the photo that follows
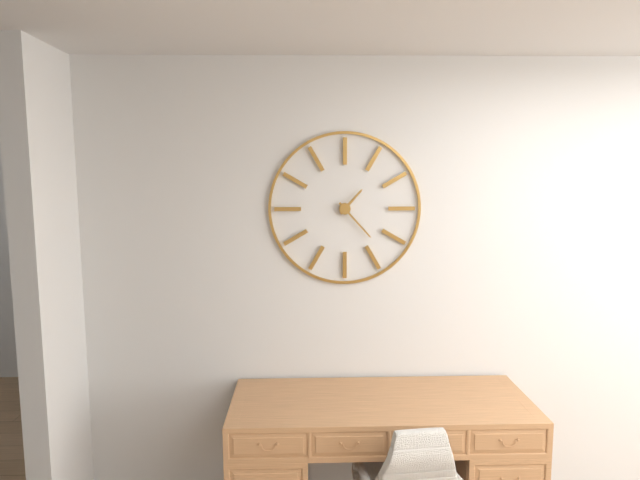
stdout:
{"hour": 1, "minute": 23}
